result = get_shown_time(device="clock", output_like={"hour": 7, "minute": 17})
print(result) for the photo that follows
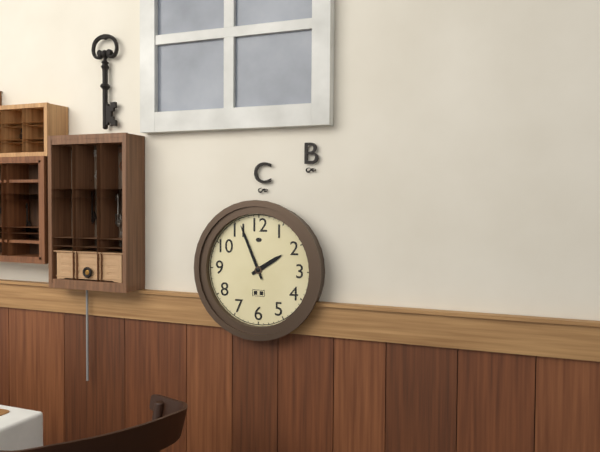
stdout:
{"hour": 1, "minute": 56}
